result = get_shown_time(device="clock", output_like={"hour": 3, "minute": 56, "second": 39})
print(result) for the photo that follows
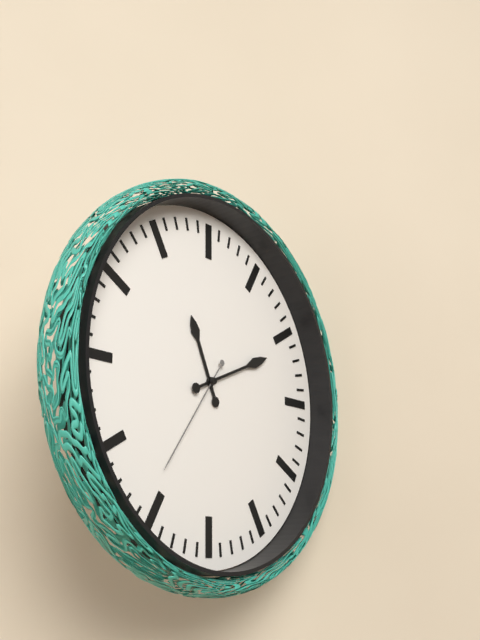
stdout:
{"hour": 11, "minute": 11, "second": 36}
